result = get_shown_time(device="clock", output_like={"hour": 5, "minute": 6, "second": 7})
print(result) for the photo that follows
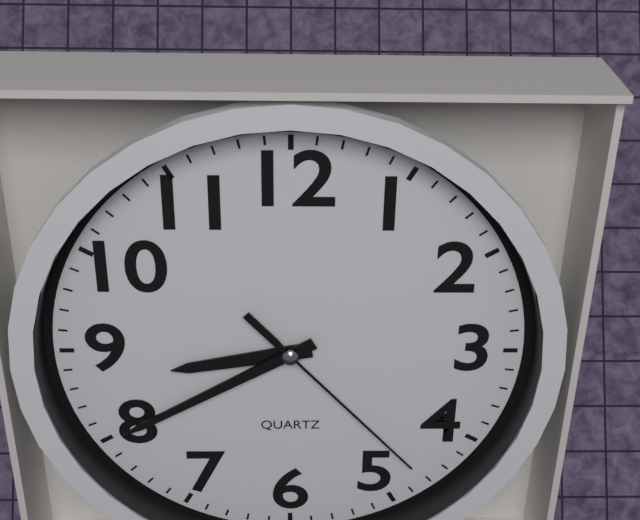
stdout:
{"hour": 8, "minute": 40, "second": 23}
